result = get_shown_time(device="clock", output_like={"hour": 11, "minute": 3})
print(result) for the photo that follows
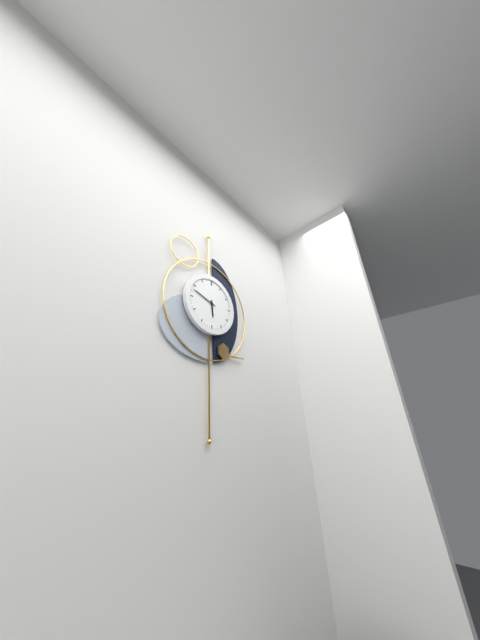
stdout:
{"hour": 5, "minute": 48}
